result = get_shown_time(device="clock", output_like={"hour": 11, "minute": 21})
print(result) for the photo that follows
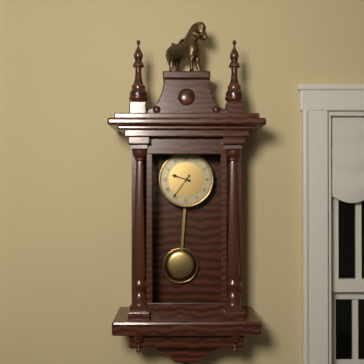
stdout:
{"hour": 9, "minute": 36}
